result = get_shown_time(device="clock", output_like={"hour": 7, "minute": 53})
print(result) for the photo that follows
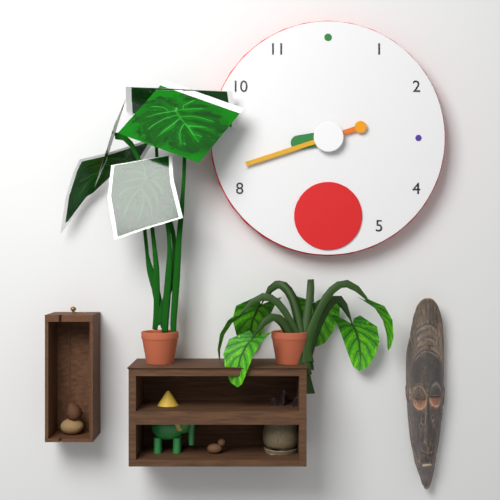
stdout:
{"hour": 8, "minute": 42}
